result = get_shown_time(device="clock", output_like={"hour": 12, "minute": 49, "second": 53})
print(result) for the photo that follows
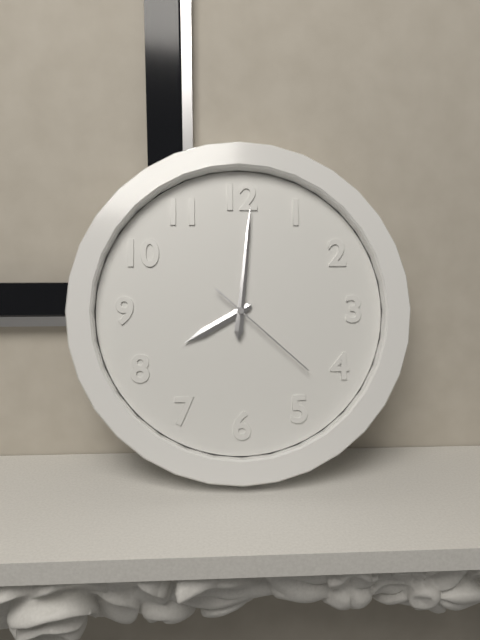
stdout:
{"hour": 8, "minute": 1, "second": 22}
